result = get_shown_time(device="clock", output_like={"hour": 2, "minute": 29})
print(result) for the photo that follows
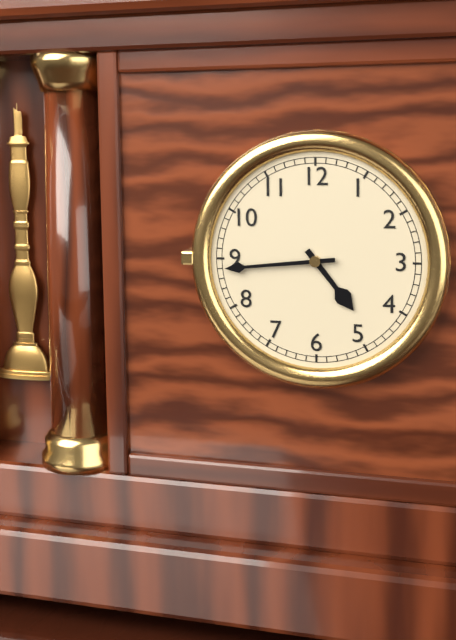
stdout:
{"hour": 4, "minute": 44}
